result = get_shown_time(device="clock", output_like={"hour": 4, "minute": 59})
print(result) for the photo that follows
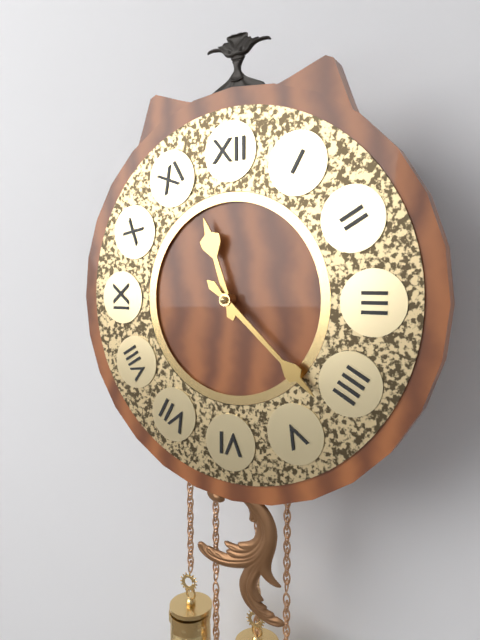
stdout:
{"hour": 11, "minute": 22}
